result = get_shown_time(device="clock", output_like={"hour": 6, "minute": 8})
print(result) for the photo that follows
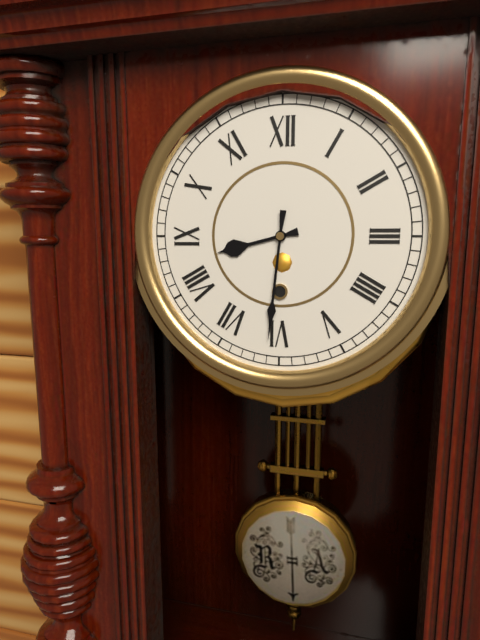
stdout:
{"hour": 8, "minute": 31}
